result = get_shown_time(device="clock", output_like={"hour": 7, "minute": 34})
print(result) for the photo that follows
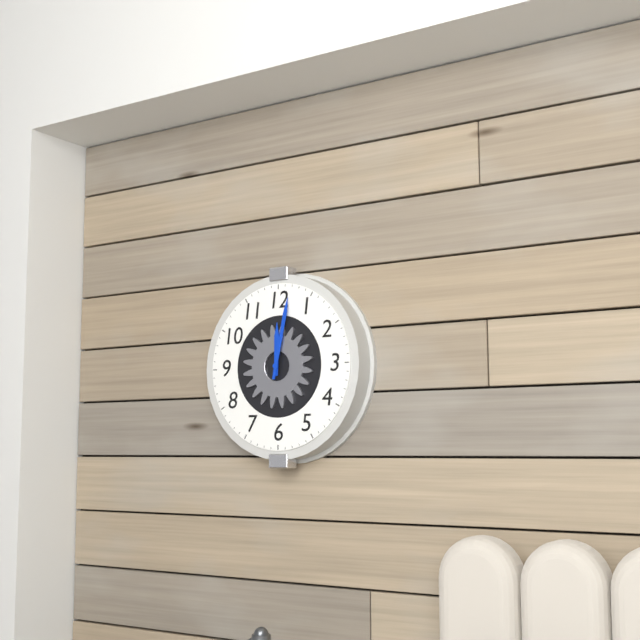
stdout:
{"hour": 12, "minute": 2}
